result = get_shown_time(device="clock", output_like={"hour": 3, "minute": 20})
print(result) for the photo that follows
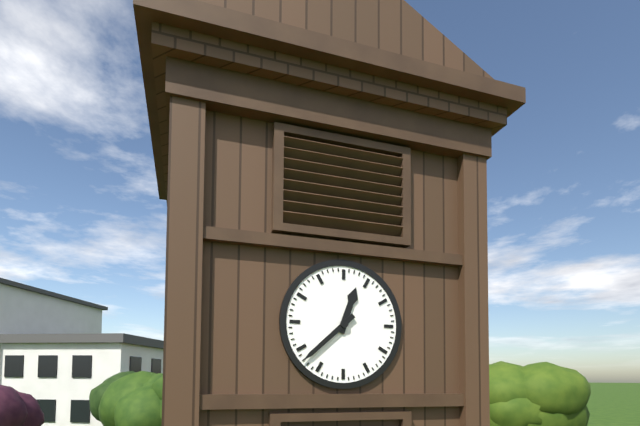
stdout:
{"hour": 12, "minute": 38}
